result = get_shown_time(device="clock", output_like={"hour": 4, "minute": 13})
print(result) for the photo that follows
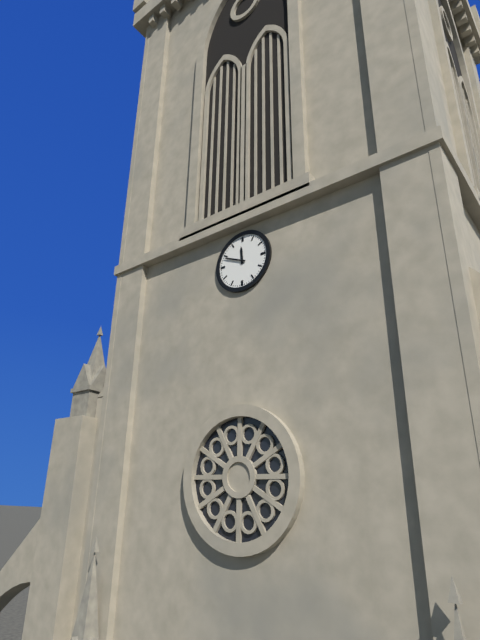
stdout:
{"hour": 11, "minute": 49}
